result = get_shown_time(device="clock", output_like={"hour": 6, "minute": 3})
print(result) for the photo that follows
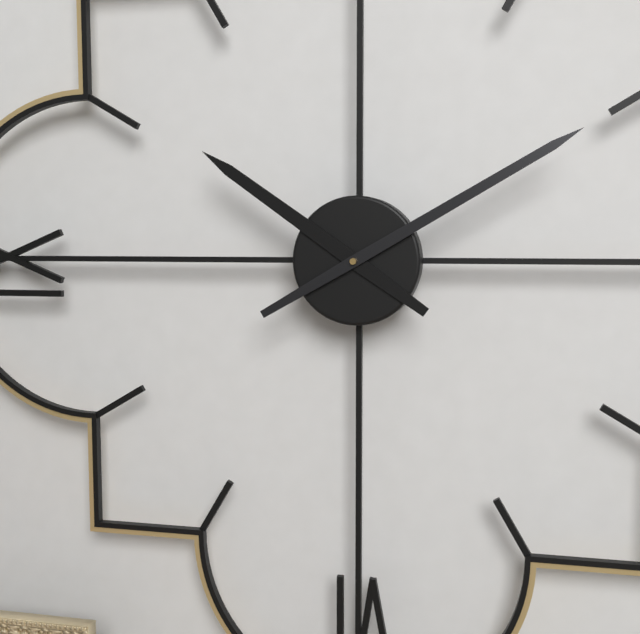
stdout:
{"hour": 10, "minute": 10}
